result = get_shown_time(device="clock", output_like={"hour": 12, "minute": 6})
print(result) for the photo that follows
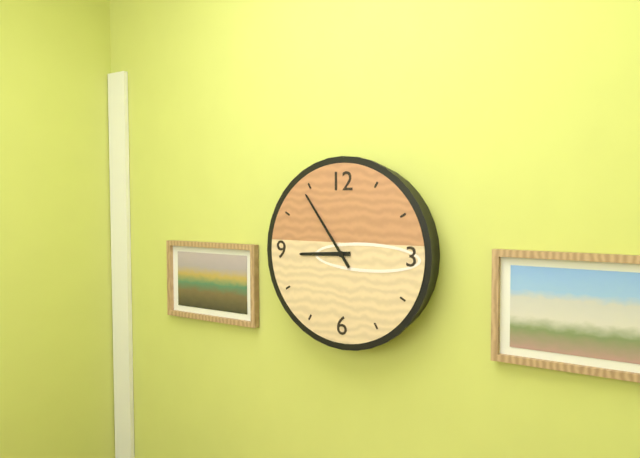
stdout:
{"hour": 8, "minute": 54}
